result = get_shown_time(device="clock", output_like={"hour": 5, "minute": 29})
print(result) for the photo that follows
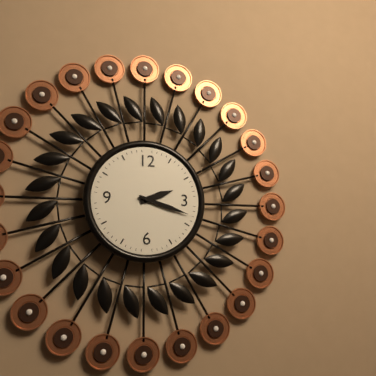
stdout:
{"hour": 2, "minute": 18}
